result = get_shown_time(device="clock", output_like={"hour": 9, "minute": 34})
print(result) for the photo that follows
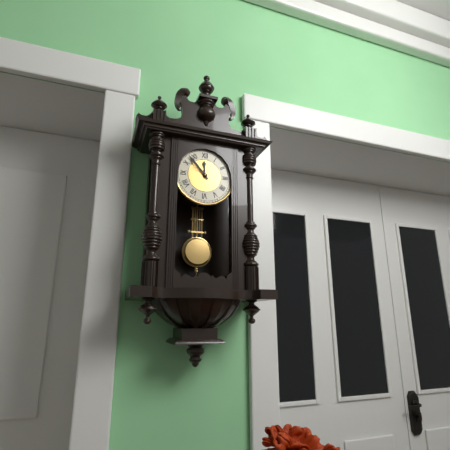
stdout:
{"hour": 11, "minute": 53}
